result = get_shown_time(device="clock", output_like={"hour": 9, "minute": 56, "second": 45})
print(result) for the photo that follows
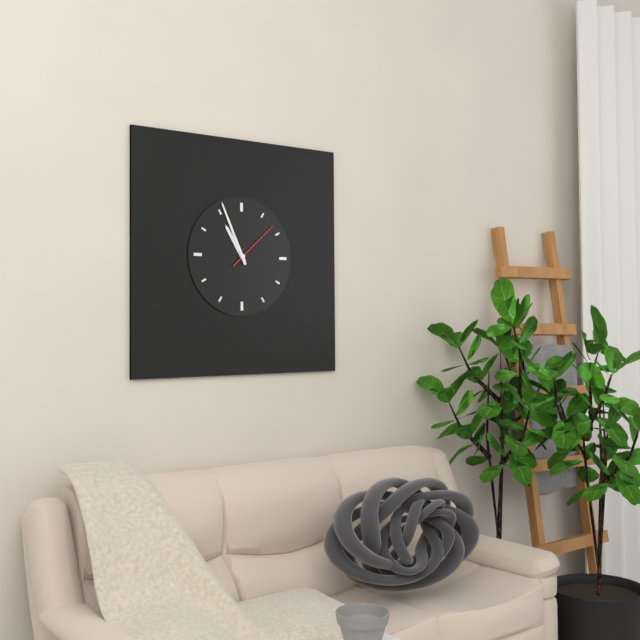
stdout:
{"hour": 10, "minute": 56, "second": 8}
